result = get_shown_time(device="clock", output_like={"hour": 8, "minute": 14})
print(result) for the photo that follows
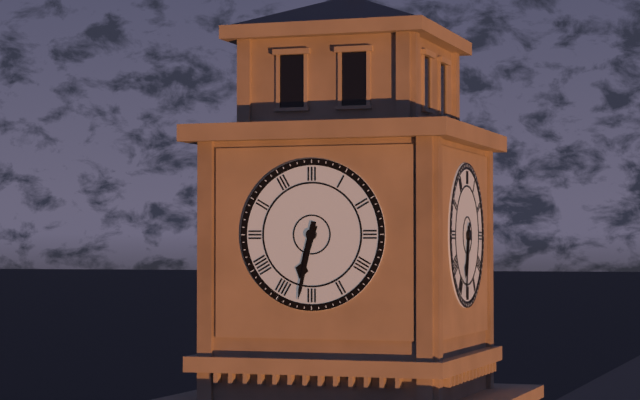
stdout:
{"hour": 6, "minute": 32}
